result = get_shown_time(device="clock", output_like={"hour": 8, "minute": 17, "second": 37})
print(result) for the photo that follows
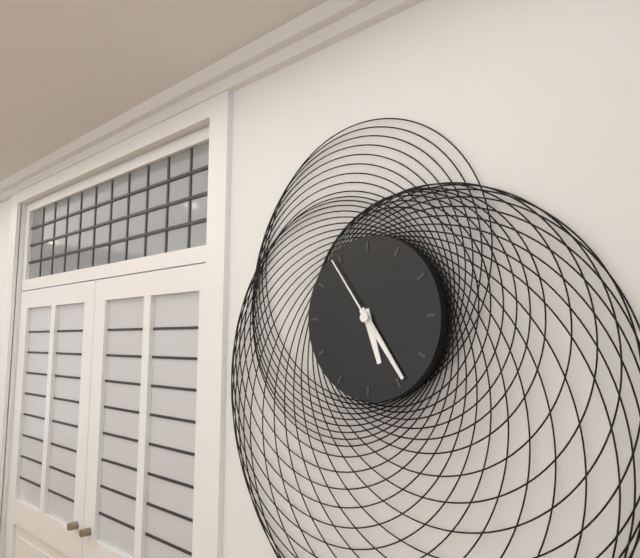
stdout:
{"hour": 5, "minute": 24, "second": 54}
